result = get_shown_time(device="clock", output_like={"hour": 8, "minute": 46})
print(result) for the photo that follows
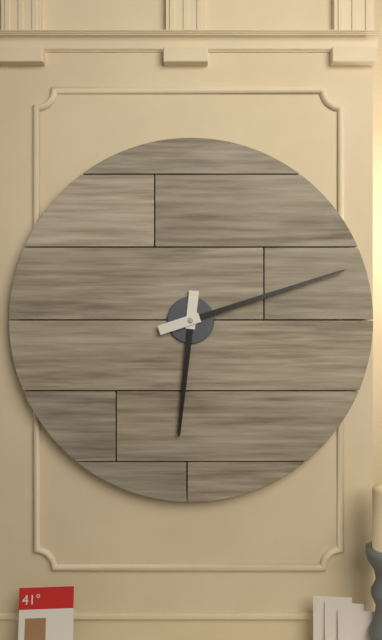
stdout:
{"hour": 6, "minute": 12}
